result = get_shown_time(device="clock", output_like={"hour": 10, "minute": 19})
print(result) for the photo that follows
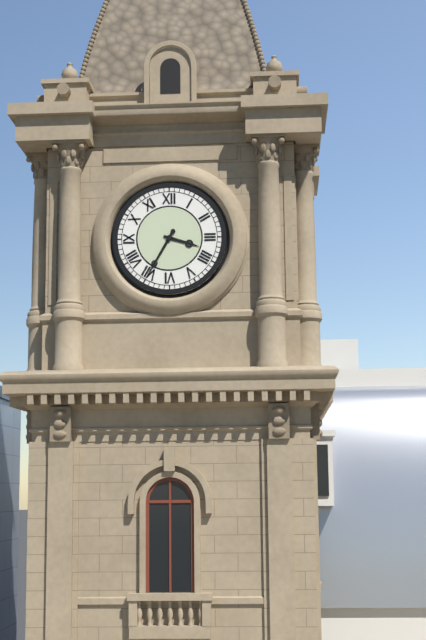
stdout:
{"hour": 3, "minute": 35}
